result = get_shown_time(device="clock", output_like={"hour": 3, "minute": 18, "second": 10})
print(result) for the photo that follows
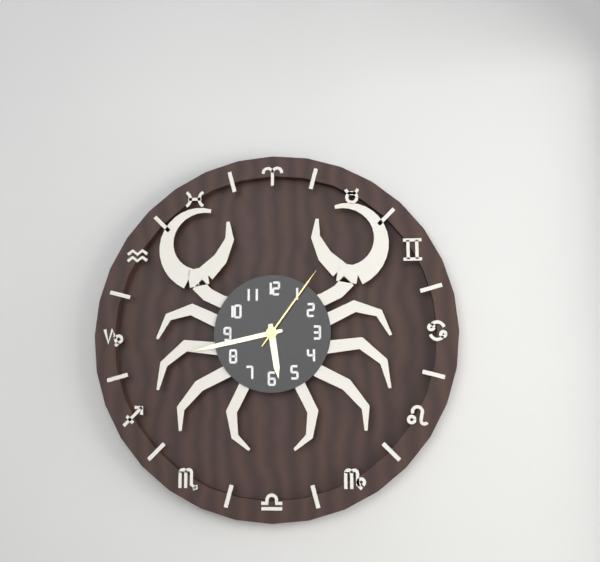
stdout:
{"hour": 5, "minute": 43, "second": 6}
